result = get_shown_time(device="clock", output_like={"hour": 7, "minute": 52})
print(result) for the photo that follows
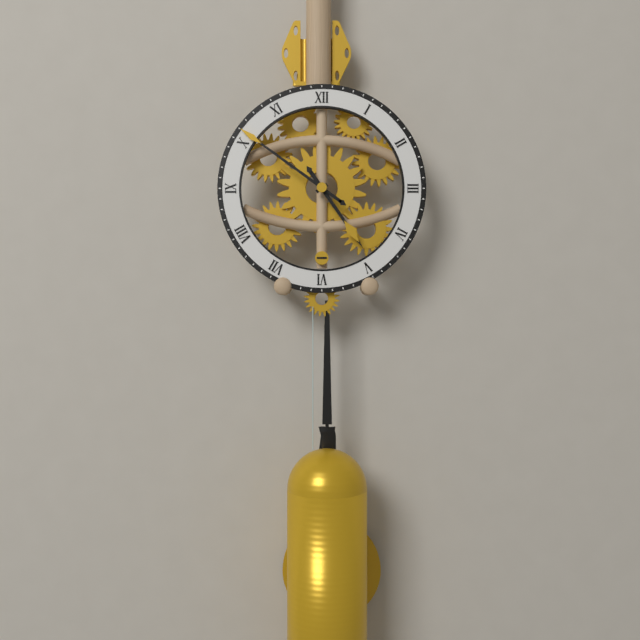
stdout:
{"hour": 4, "minute": 51}
